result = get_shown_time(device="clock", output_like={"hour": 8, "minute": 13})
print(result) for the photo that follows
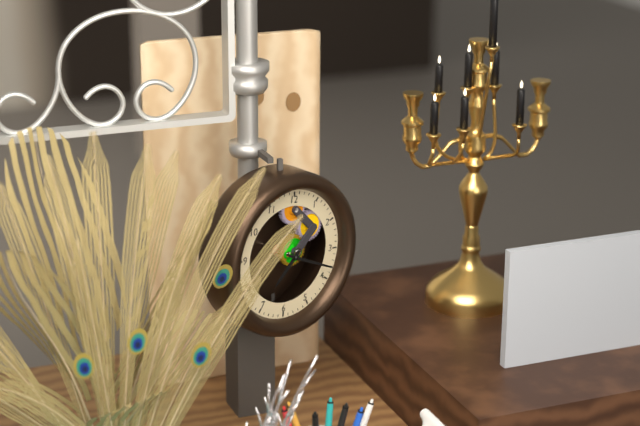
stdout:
{"hour": 7, "minute": 18}
